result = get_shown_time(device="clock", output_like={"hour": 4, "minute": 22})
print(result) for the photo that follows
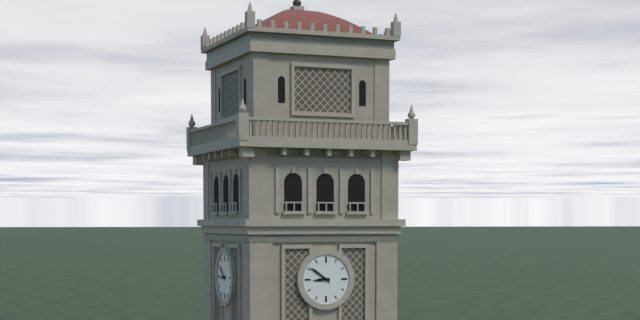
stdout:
{"hour": 8, "minute": 51}
